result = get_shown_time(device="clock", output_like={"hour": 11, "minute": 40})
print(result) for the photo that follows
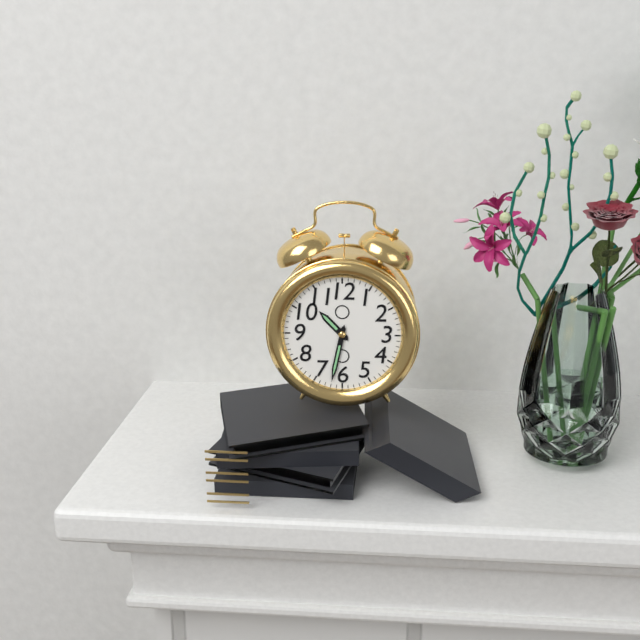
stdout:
{"hour": 10, "minute": 32}
